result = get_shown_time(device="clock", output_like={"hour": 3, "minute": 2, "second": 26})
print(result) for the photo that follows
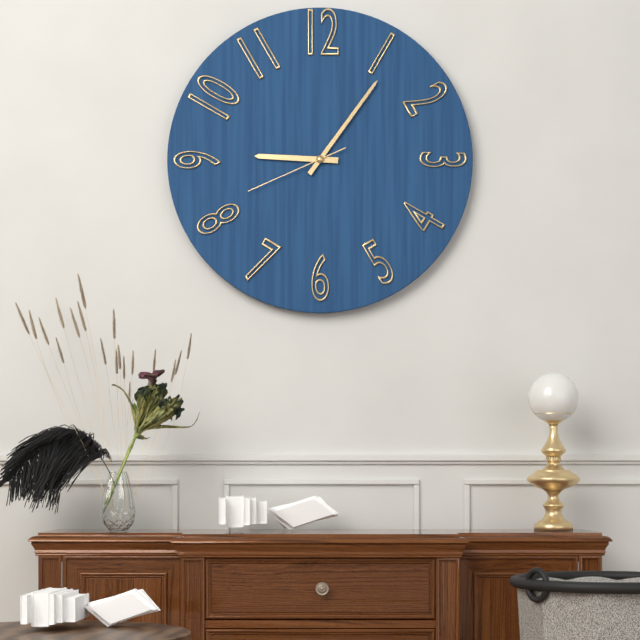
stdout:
{"hour": 9, "minute": 6, "second": 41}
